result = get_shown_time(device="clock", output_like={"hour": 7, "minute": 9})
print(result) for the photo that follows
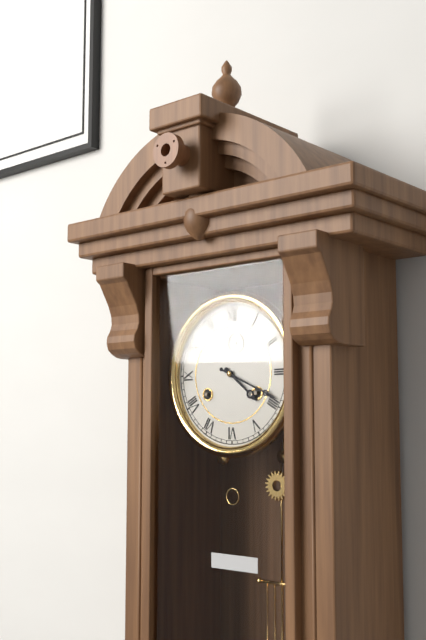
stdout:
{"hour": 4, "minute": 19}
